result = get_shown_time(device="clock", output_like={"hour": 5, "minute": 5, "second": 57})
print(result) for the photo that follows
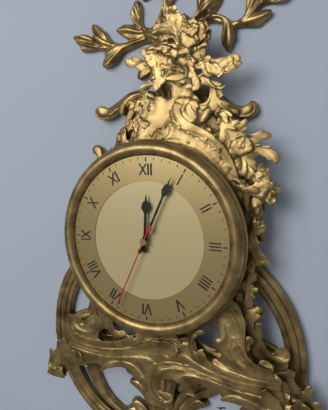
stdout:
{"hour": 12, "minute": 4, "second": 34}
